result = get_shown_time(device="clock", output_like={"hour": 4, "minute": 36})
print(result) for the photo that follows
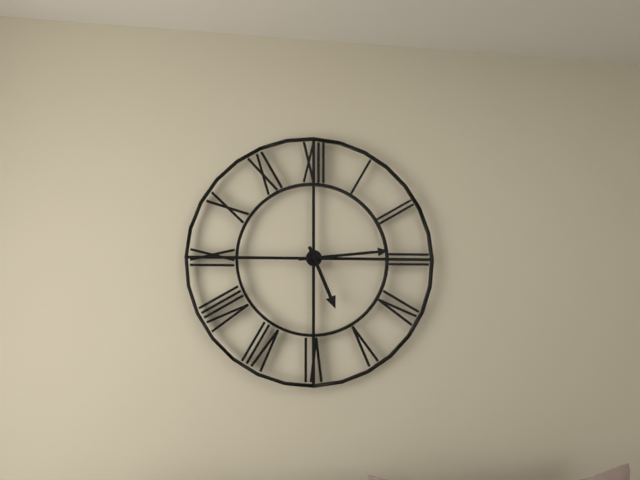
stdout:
{"hour": 5, "minute": 14}
